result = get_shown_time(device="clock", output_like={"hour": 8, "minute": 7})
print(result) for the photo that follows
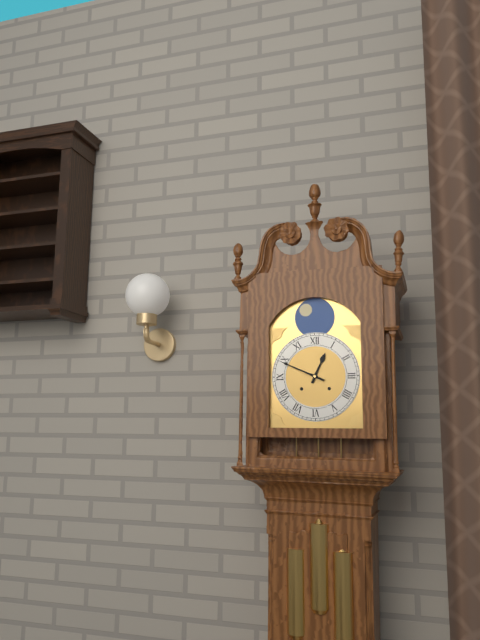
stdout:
{"hour": 12, "minute": 49}
